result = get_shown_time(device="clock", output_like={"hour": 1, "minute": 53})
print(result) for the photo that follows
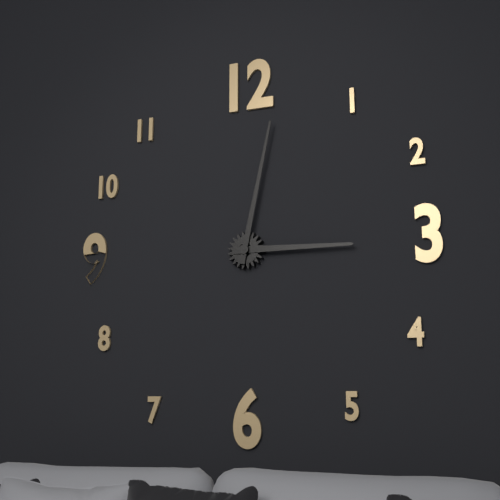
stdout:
{"hour": 3, "minute": 2}
